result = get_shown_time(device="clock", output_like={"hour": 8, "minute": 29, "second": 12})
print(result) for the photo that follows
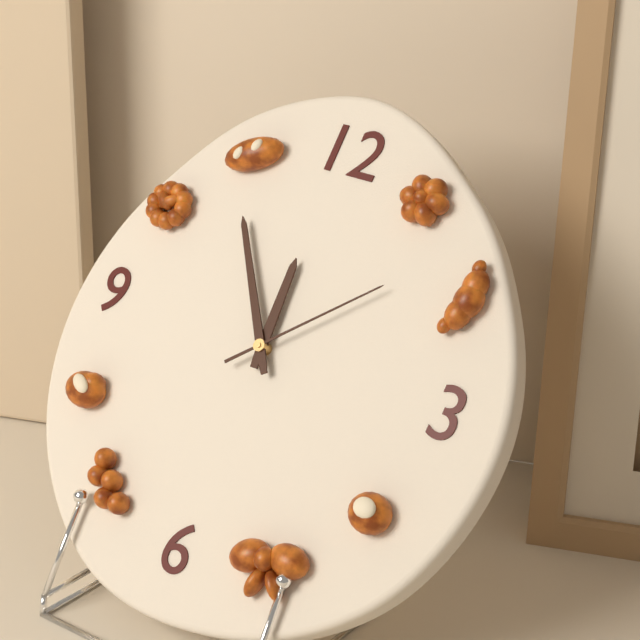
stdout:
{"hour": 11, "minute": 54, "second": 8}
